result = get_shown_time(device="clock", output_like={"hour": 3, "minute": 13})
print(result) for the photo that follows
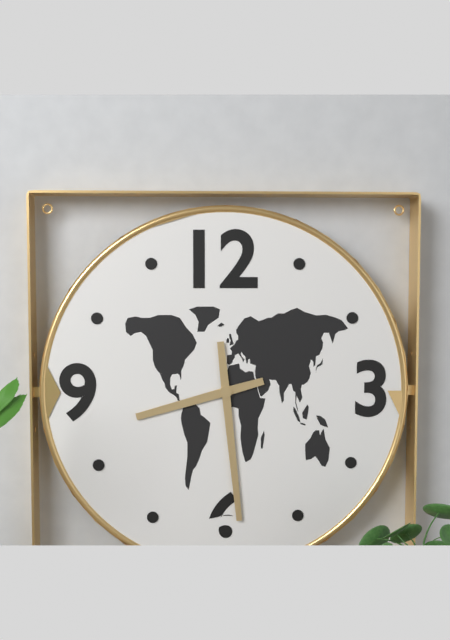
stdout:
{"hour": 8, "minute": 29}
